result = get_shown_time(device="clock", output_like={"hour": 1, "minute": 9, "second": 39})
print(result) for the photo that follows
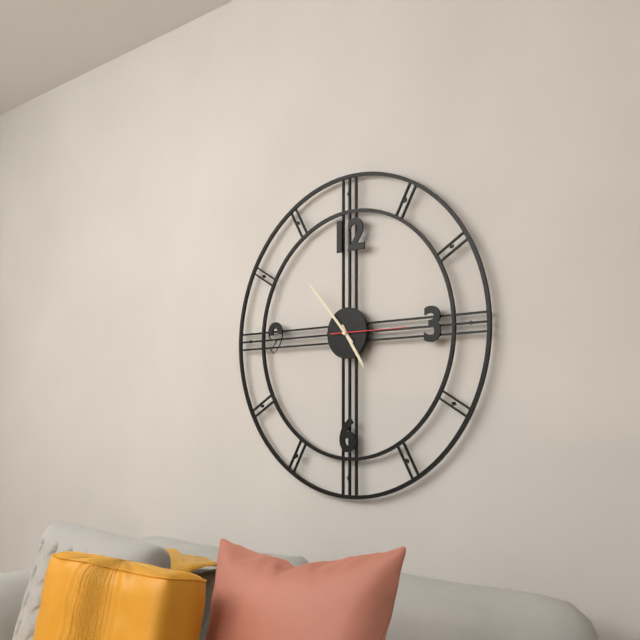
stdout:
{"hour": 4, "minute": 53, "second": 15}
